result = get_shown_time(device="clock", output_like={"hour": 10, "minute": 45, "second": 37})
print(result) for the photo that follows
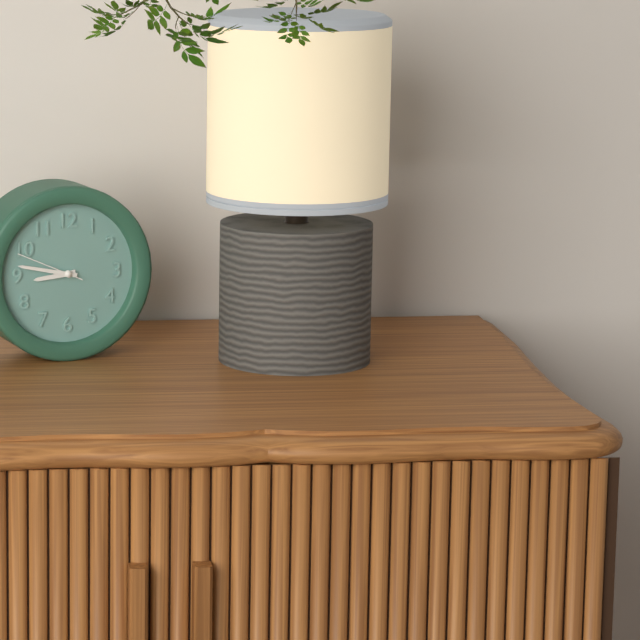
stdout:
{"hour": 8, "minute": 47, "second": 49}
